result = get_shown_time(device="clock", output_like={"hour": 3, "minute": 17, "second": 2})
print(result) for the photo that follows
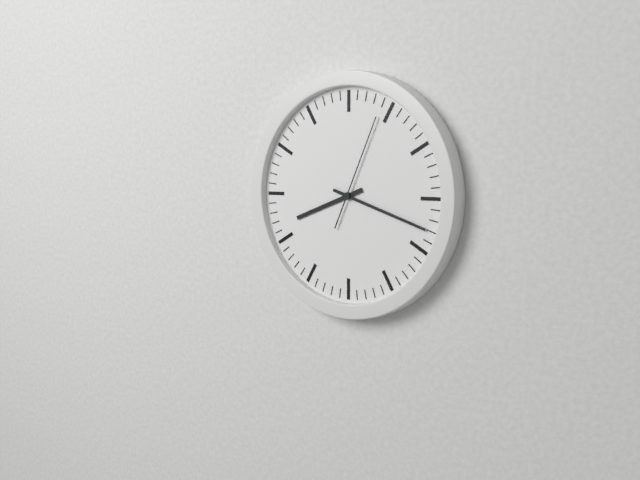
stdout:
{"hour": 8, "minute": 18, "second": 4}
